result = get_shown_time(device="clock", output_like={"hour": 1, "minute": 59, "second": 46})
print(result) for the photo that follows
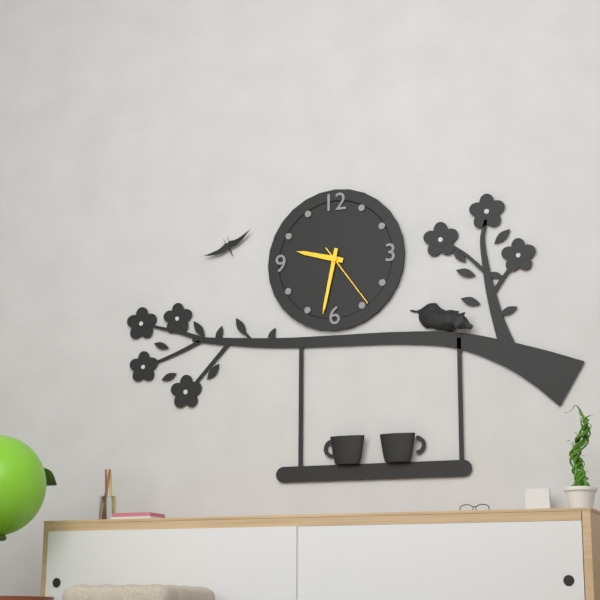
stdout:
{"hour": 9, "minute": 32, "second": 24}
